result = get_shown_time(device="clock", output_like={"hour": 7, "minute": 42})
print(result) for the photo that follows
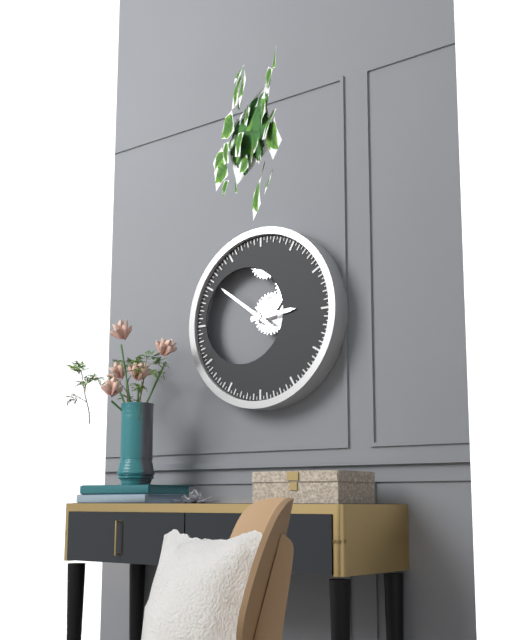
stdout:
{"hour": 2, "minute": 51}
